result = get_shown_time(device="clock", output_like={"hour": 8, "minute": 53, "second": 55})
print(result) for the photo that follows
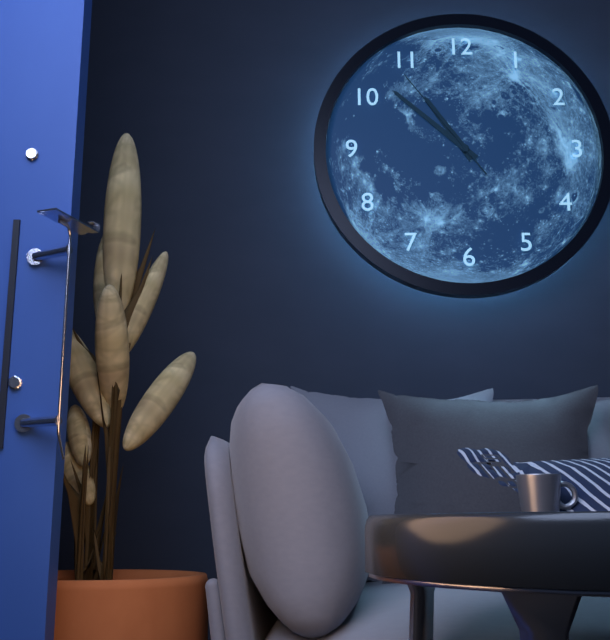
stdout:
{"hour": 10, "minute": 52, "second": 54}
